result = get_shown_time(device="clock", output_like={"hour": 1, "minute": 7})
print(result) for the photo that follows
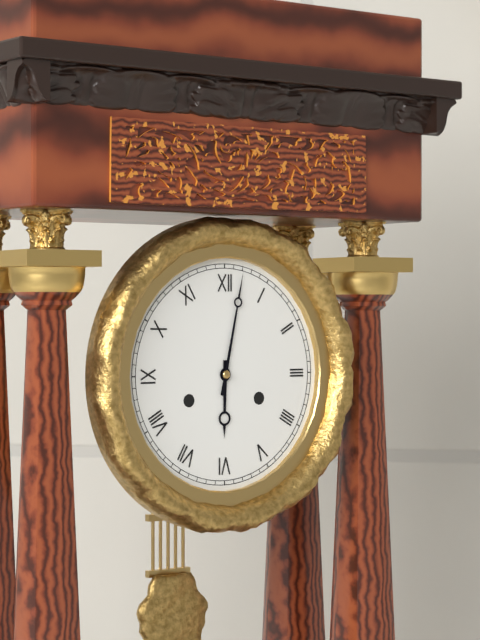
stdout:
{"hour": 6, "minute": 2}
